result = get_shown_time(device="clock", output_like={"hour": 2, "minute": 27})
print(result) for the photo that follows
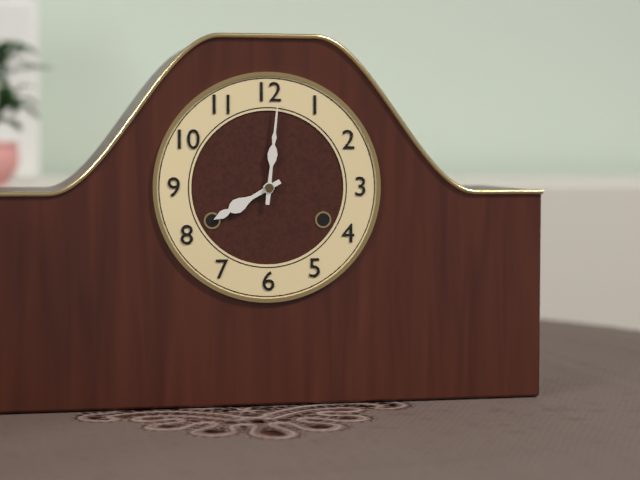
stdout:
{"hour": 8, "minute": 1}
